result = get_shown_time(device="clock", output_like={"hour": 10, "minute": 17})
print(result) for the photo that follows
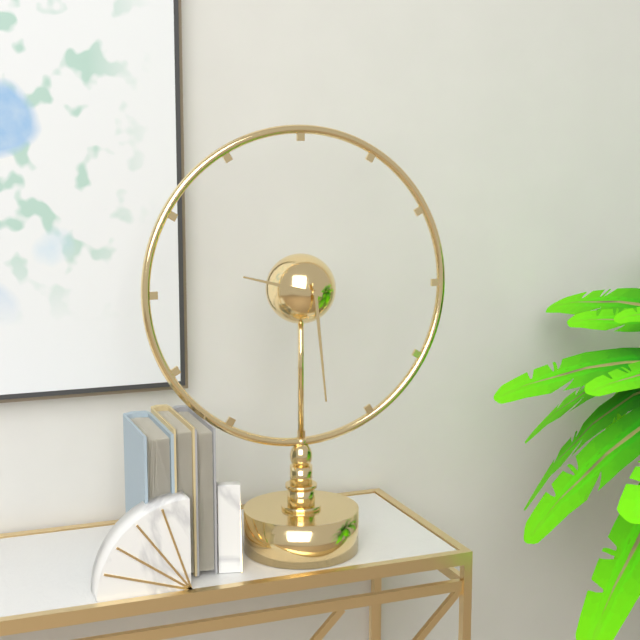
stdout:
{"hour": 9, "minute": 29}
